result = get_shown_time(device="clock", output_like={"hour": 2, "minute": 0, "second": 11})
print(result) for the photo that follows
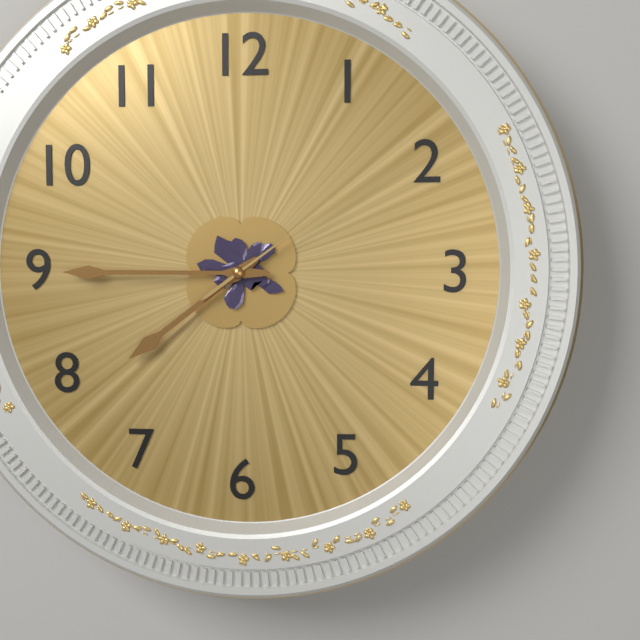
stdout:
{"hour": 7, "minute": 45, "second": 9}
